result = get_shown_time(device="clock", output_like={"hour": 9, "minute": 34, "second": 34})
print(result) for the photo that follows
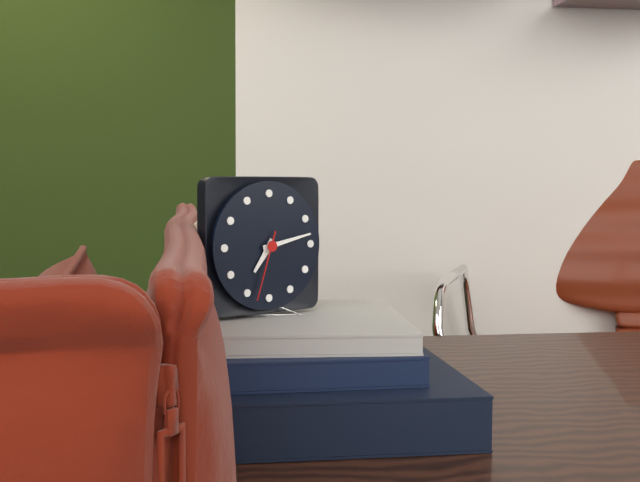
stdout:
{"hour": 7, "minute": 13, "second": 33}
